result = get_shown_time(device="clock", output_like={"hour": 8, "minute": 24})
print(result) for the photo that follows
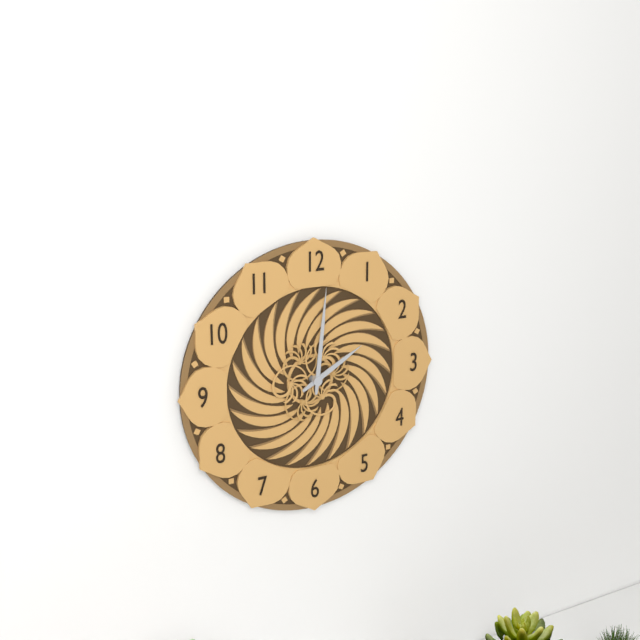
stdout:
{"hour": 2, "minute": 1}
